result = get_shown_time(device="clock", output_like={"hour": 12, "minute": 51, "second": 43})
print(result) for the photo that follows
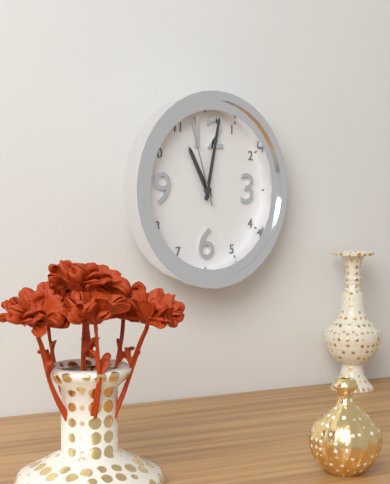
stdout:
{"hour": 11, "minute": 2, "second": 57}
